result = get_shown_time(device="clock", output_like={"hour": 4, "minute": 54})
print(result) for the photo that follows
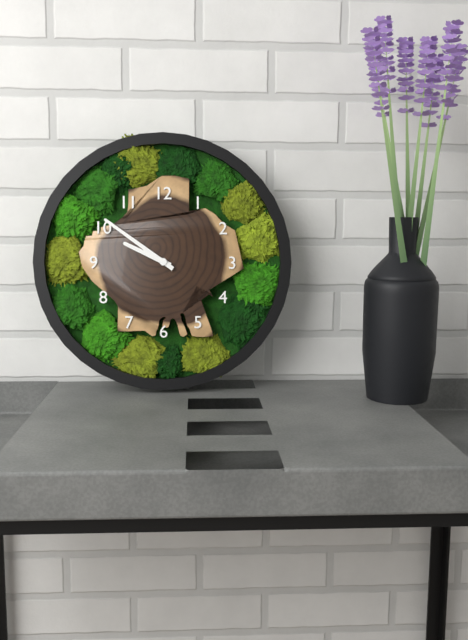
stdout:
{"hour": 9, "minute": 51}
